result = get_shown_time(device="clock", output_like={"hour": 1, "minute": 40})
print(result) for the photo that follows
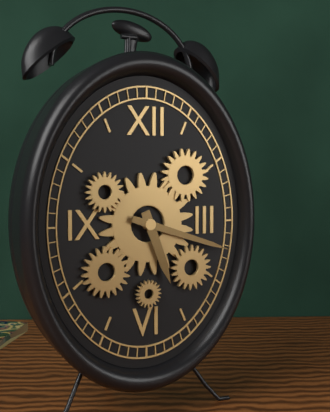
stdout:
{"hour": 5, "minute": 18}
